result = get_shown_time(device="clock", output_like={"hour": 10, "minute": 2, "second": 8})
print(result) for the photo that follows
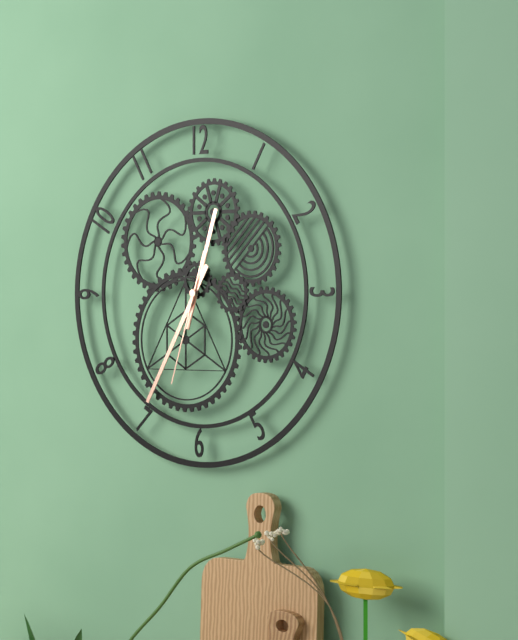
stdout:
{"hour": 12, "minute": 35, "second": 33}
